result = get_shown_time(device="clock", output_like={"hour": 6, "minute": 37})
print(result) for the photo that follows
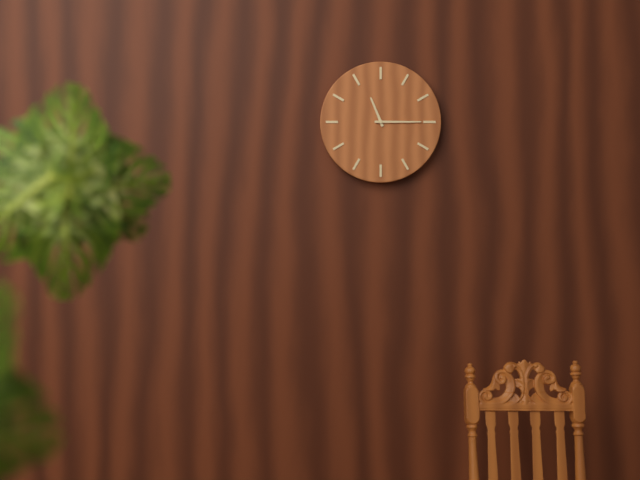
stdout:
{"hour": 11, "minute": 15}
